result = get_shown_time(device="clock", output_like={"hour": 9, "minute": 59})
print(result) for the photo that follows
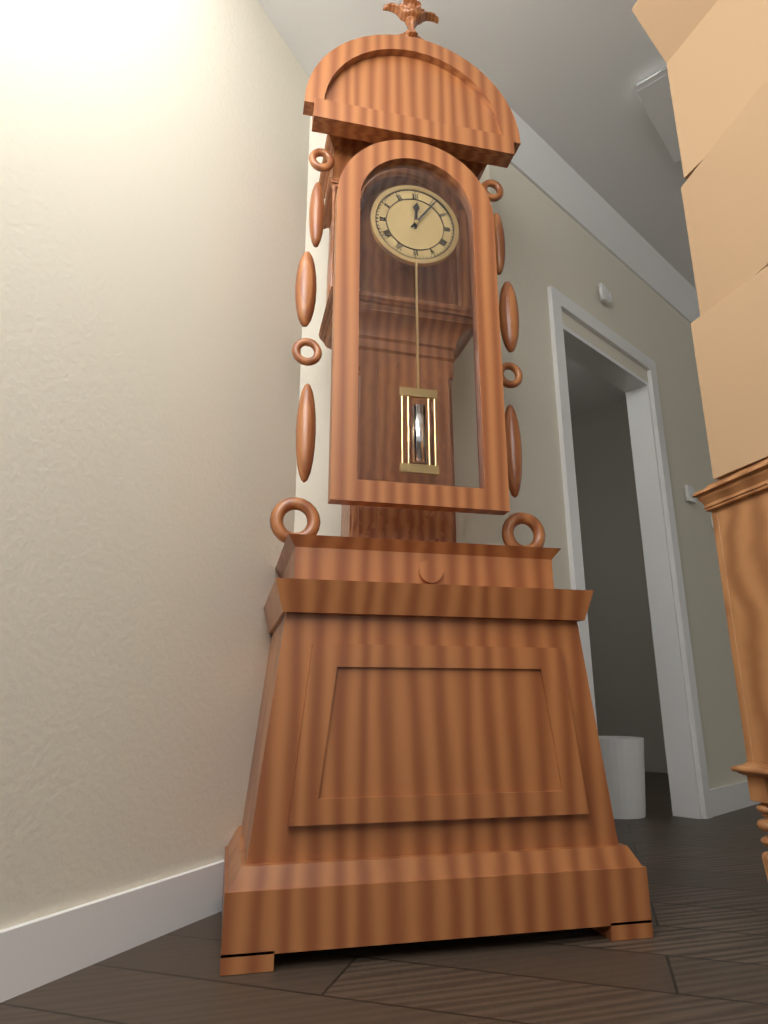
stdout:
{"hour": 12, "minute": 6}
